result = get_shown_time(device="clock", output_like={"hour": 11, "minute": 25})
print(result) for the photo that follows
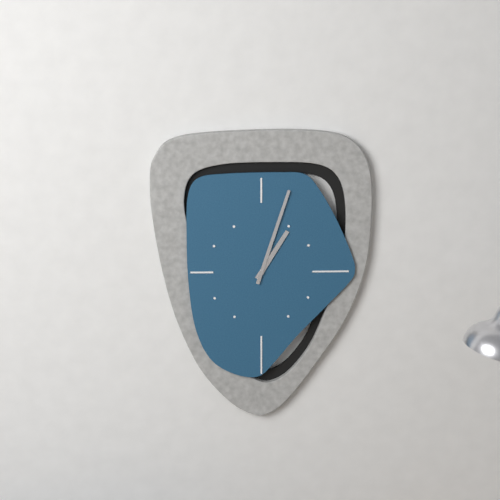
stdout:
{"hour": 1, "minute": 3}
